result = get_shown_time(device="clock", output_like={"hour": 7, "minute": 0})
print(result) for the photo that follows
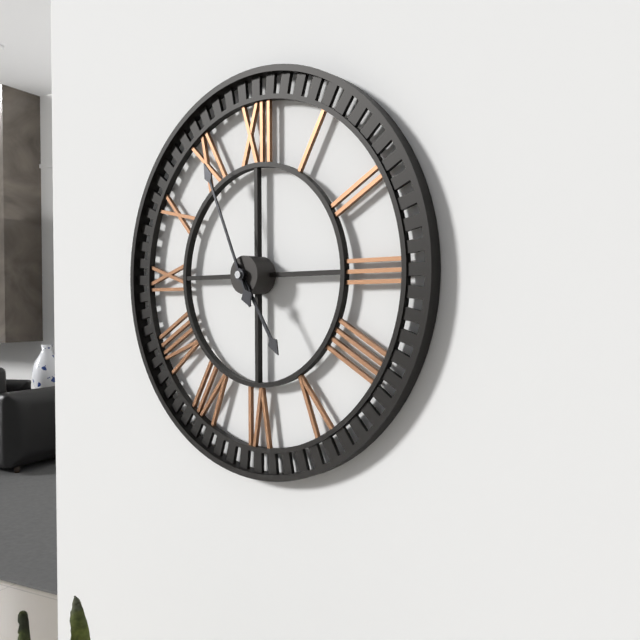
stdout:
{"hour": 4, "minute": 56}
